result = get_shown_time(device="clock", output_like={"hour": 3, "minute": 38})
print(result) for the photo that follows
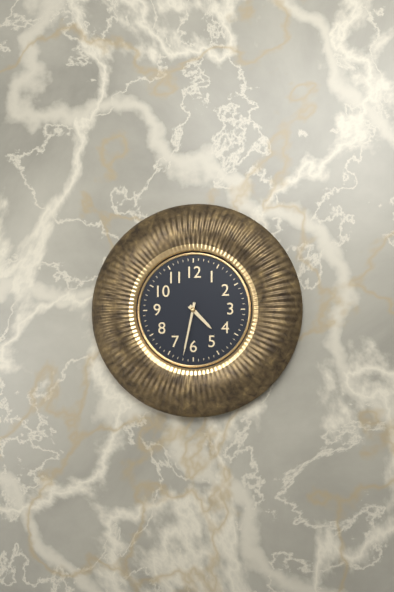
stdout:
{"hour": 4, "minute": 32}
